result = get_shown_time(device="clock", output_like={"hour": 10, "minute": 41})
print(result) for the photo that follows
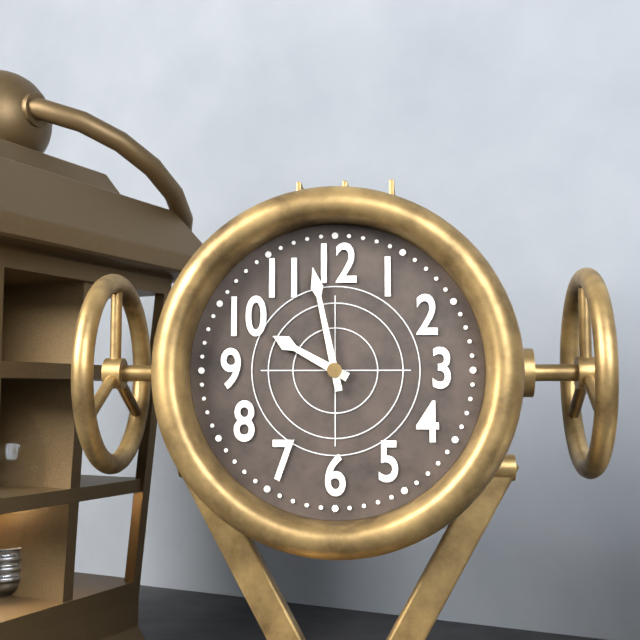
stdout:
{"hour": 9, "minute": 58}
